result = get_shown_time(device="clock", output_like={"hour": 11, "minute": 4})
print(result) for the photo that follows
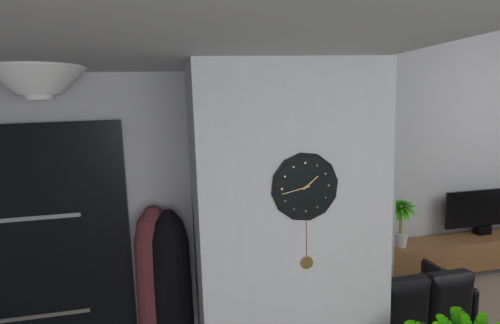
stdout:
{"hour": 1, "minute": 43}
